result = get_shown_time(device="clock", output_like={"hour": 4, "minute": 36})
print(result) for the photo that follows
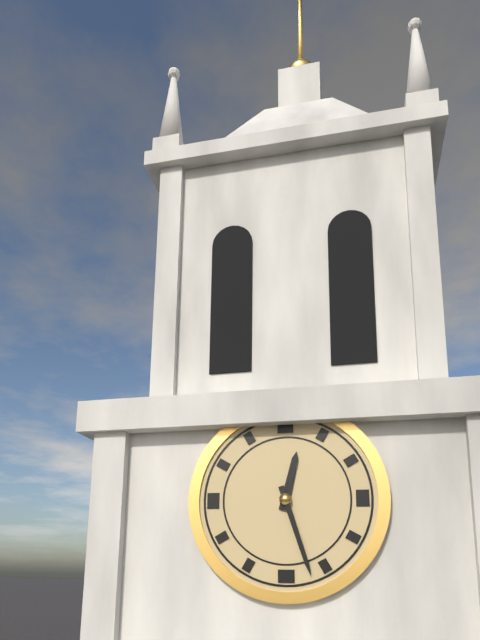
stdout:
{"hour": 12, "minute": 27}
